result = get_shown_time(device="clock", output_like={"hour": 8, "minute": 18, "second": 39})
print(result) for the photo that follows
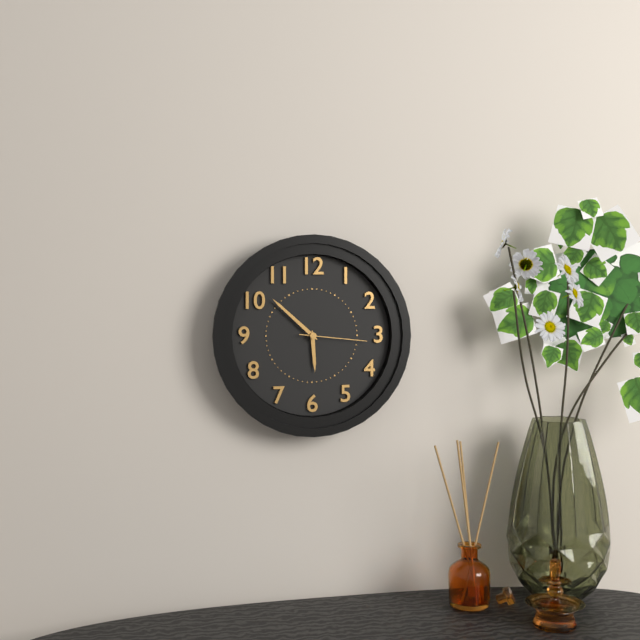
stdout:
{"hour": 5, "minute": 52, "second": 16}
